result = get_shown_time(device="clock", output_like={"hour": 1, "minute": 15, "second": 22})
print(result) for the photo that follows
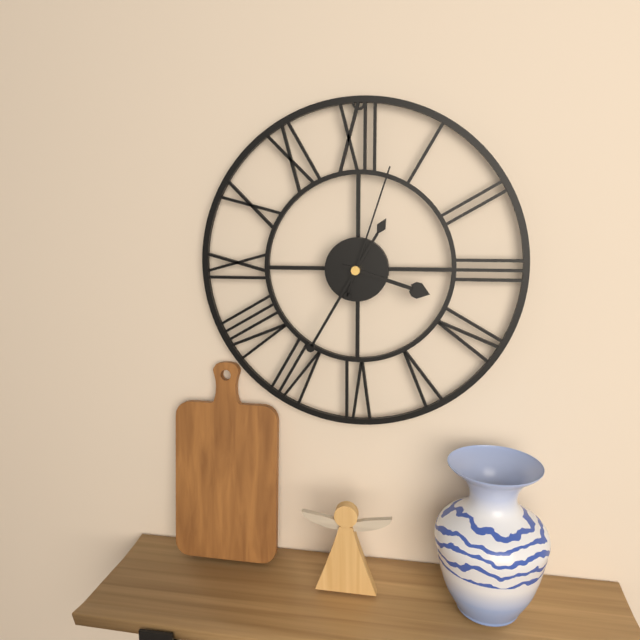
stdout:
{"hour": 3, "minute": 35, "second": 3}
